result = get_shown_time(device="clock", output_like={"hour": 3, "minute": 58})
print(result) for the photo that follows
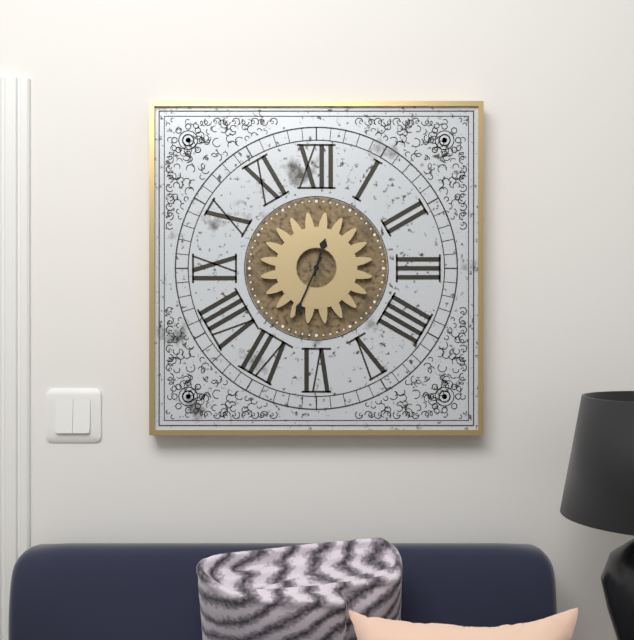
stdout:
{"hour": 12, "minute": 34}
